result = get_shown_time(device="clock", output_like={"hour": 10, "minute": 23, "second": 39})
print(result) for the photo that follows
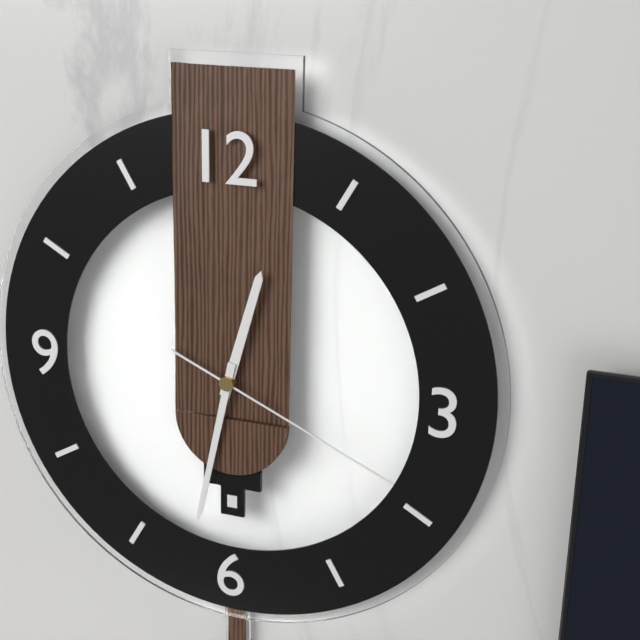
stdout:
{"hour": 12, "minute": 32, "second": 19}
